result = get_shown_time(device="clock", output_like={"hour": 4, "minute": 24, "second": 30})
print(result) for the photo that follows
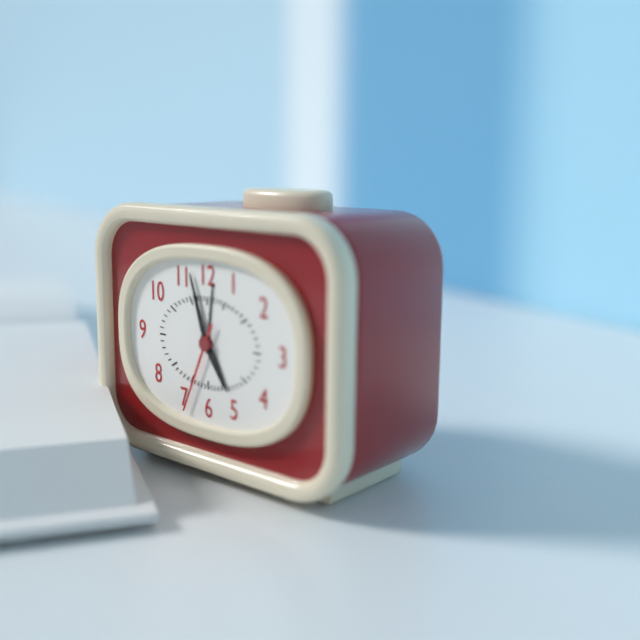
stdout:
{"hour": 4, "minute": 57, "second": 34}
